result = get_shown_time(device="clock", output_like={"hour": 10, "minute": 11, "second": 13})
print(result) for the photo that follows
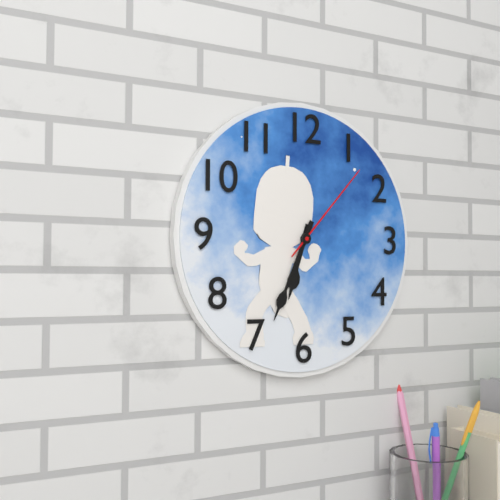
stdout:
{"hour": 6, "minute": 34, "second": 7}
